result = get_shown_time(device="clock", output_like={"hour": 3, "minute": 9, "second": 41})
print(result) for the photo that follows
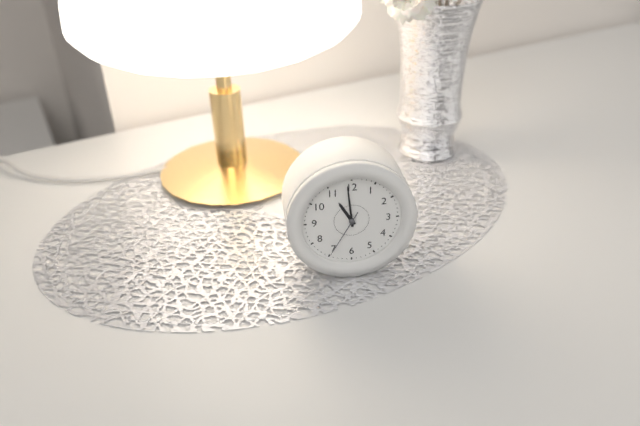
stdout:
{"hour": 10, "minute": 59, "second": 35}
